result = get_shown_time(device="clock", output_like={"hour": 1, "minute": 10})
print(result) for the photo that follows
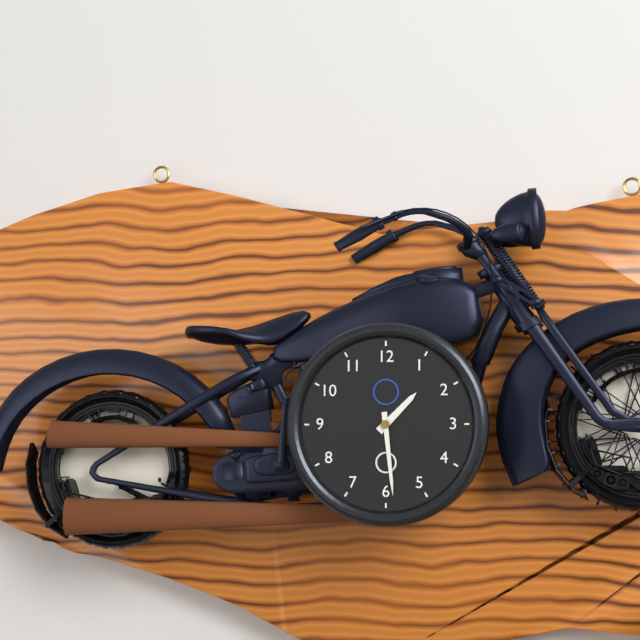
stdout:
{"hour": 1, "minute": 29}
